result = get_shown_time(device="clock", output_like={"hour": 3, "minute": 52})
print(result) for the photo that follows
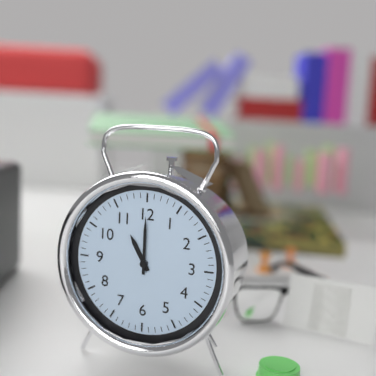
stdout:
{"hour": 11, "minute": 0}
